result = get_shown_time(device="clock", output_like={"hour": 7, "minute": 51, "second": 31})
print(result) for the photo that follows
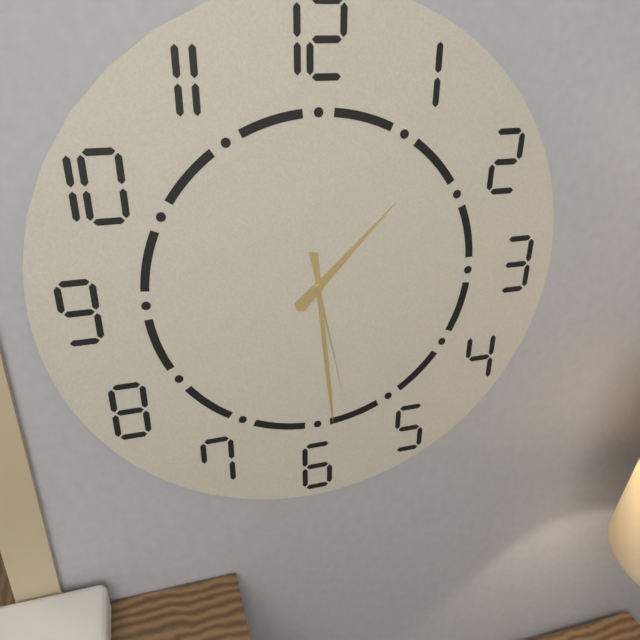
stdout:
{"hour": 1, "minute": 29, "second": 28}
